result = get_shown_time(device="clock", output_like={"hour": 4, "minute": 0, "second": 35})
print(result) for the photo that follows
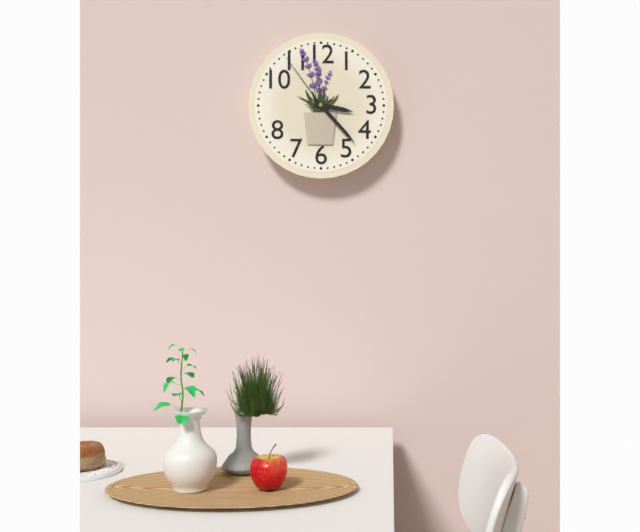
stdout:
{"hour": 3, "minute": 23, "second": 54}
